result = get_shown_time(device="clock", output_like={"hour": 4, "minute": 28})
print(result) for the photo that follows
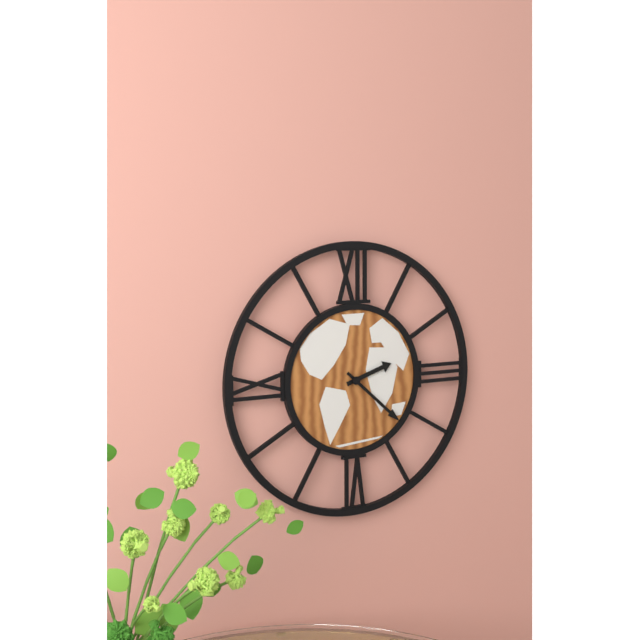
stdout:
{"hour": 2, "minute": 22}
